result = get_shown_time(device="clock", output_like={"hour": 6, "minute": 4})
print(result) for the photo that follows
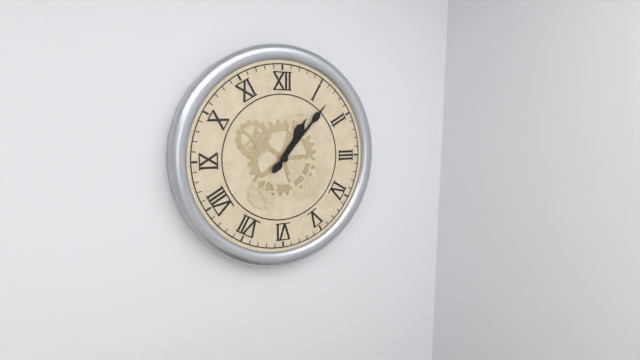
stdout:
{"hour": 1, "minute": 7}
